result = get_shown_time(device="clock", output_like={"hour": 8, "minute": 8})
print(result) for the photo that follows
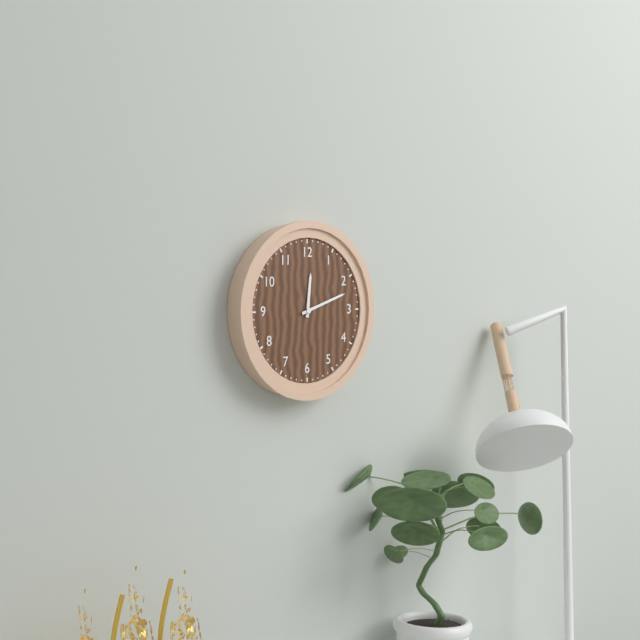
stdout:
{"hour": 12, "minute": 12}
